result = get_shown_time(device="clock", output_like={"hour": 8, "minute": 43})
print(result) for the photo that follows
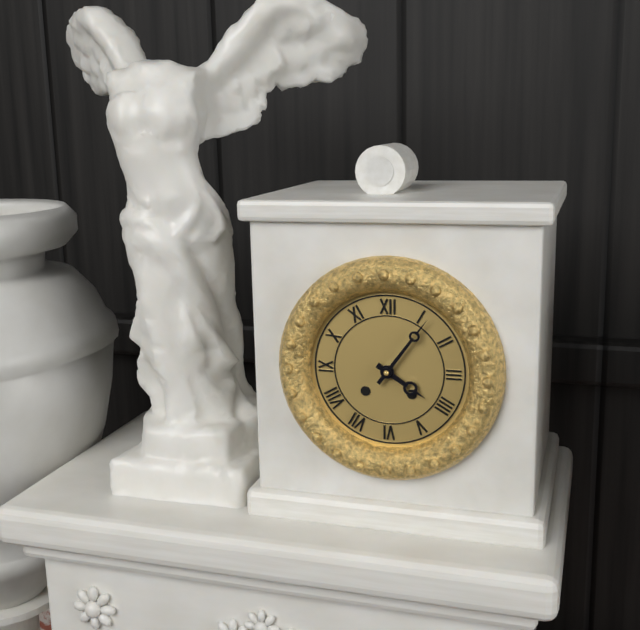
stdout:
{"hour": 4, "minute": 6}
